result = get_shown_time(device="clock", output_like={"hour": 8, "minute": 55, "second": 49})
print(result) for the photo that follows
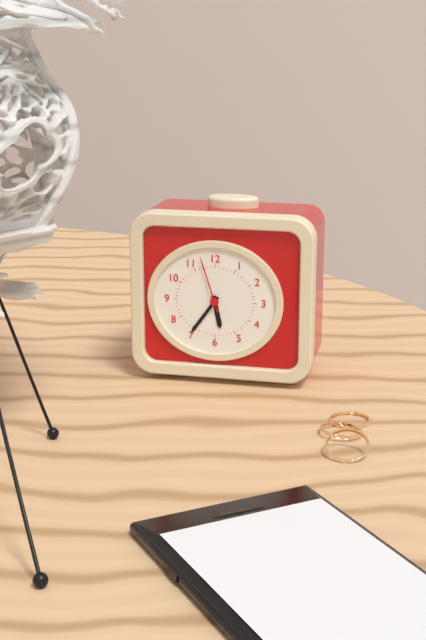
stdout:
{"hour": 5, "minute": 36, "second": 57}
